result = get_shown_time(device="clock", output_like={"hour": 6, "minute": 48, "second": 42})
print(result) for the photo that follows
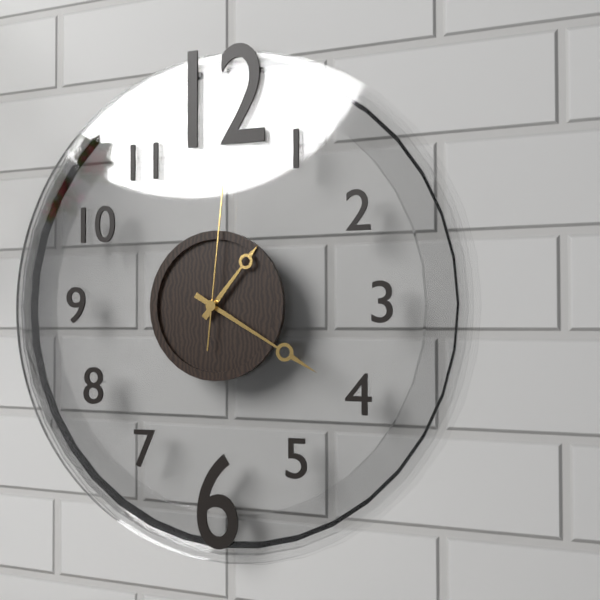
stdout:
{"hour": 1, "minute": 20, "second": 1}
